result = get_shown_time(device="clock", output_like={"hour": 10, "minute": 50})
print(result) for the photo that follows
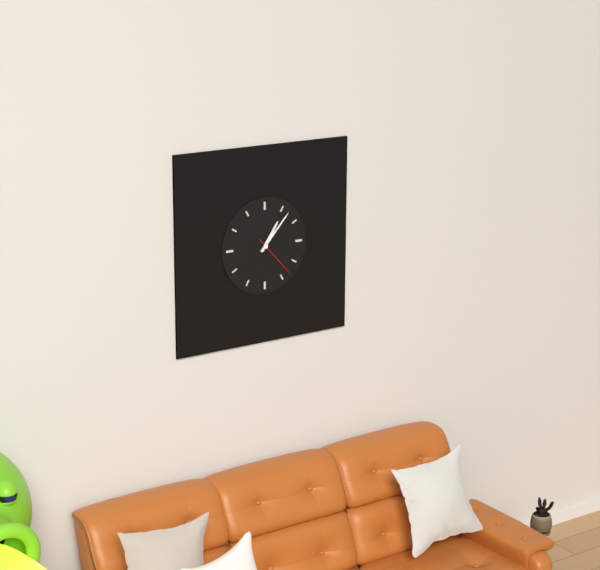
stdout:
{"hour": 1, "minute": 7}
